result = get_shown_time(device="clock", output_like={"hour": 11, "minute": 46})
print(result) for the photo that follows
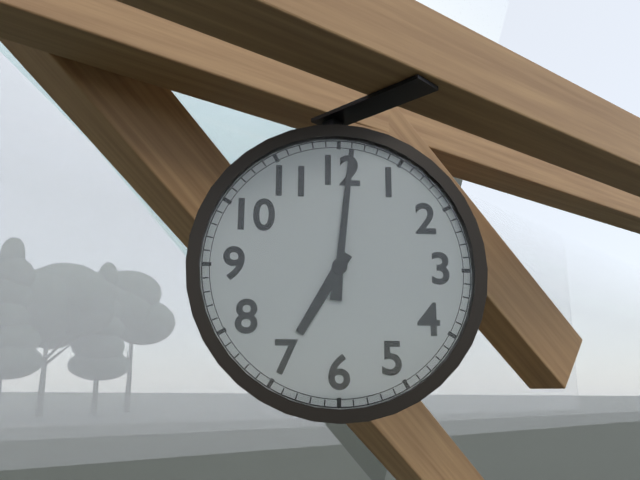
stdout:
{"hour": 7, "minute": 1}
